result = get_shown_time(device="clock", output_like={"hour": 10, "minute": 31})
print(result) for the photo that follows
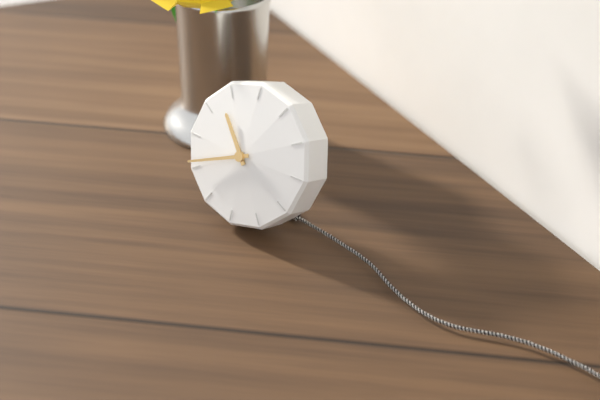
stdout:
{"hour": 10, "minute": 41}
